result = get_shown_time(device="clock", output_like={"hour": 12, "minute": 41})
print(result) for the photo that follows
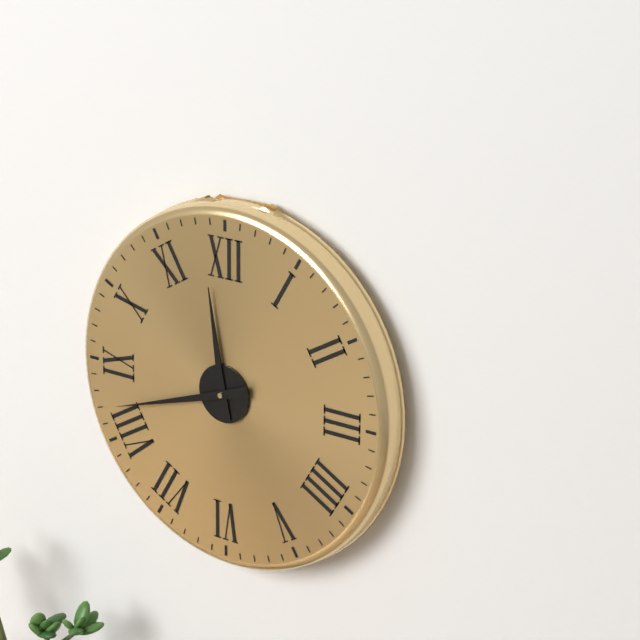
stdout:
{"hour": 11, "minute": 42}
